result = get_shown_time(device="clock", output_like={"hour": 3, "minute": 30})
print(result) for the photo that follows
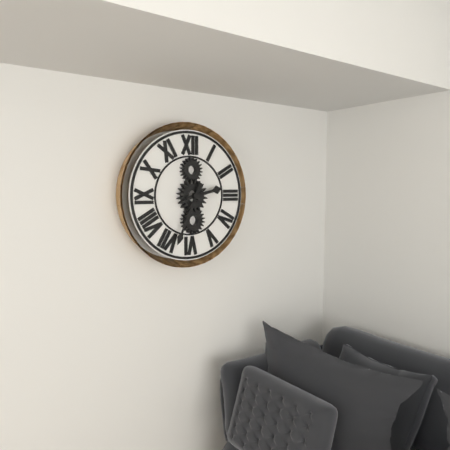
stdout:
{"hour": 2, "minute": 34}
